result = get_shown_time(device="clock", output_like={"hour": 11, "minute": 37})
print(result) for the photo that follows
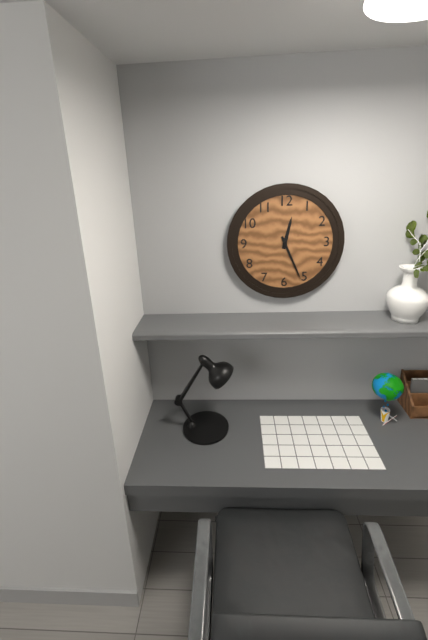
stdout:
{"hour": 12, "minute": 26}
